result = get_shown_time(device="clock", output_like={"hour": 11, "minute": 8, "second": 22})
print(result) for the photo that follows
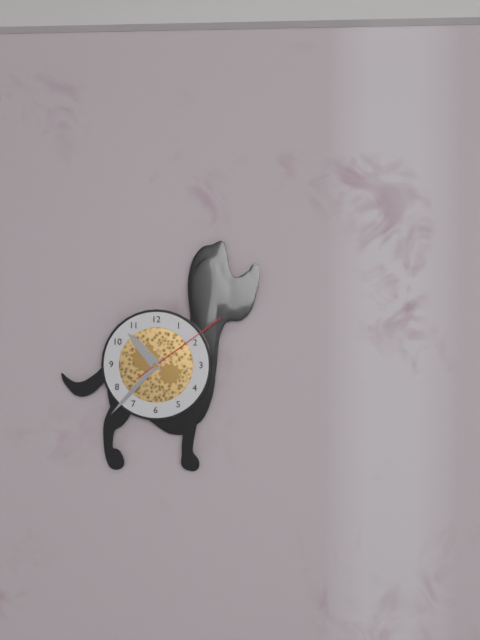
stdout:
{"hour": 10, "minute": 37, "second": 9}
